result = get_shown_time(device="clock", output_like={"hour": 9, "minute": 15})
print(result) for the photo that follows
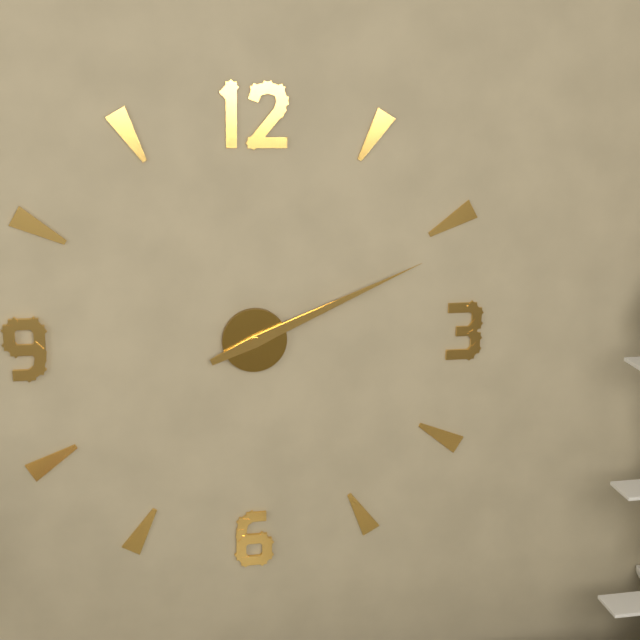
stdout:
{"hour": 2, "minute": 11}
